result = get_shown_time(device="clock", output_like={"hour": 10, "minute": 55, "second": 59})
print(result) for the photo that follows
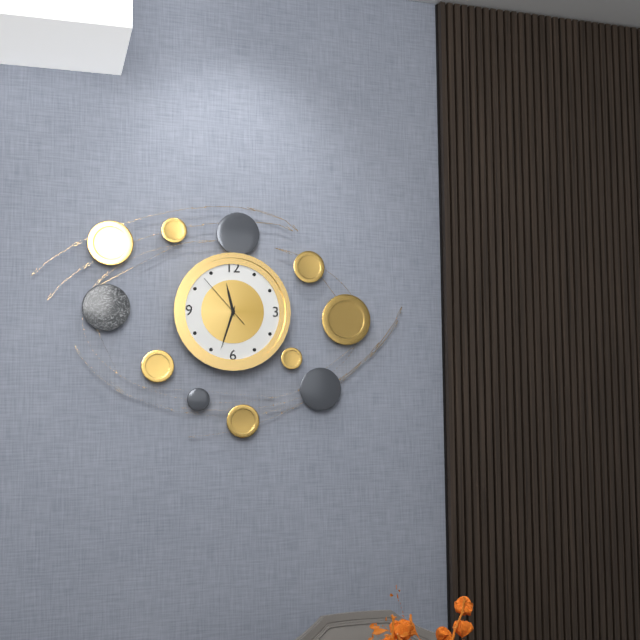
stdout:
{"hour": 11, "minute": 33, "second": 53}
